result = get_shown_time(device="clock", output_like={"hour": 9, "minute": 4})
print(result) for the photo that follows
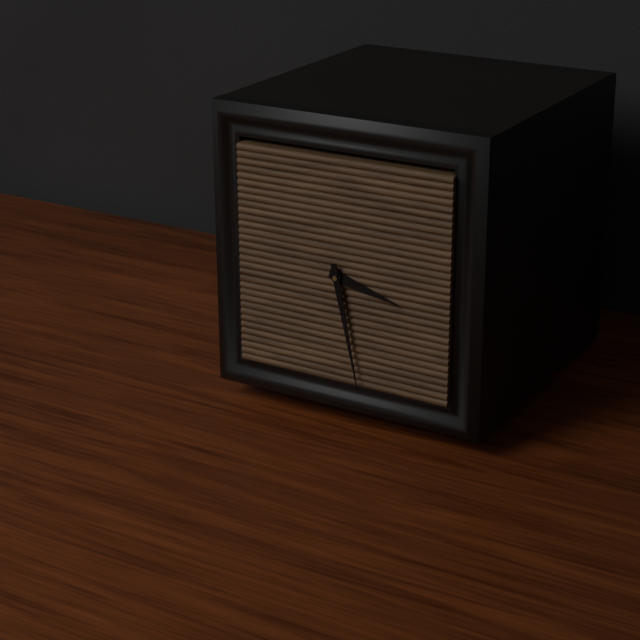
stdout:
{"hour": 3, "minute": 28}
